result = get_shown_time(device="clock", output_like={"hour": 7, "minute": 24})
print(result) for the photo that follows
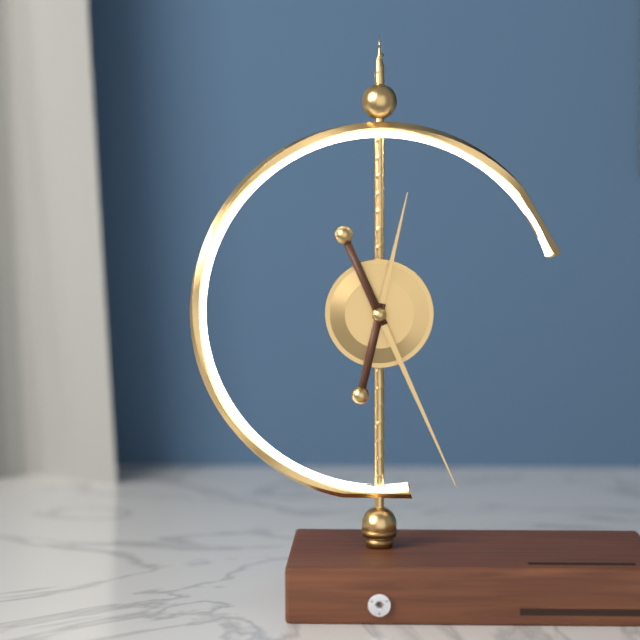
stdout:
{"hour": 12, "minute": 26}
